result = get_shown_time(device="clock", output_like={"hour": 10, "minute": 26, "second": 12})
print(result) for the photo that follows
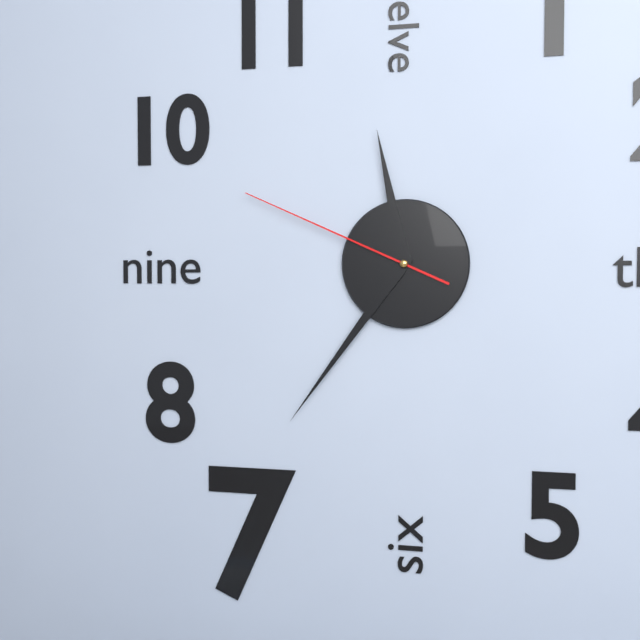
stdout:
{"hour": 11, "minute": 36, "second": 49}
